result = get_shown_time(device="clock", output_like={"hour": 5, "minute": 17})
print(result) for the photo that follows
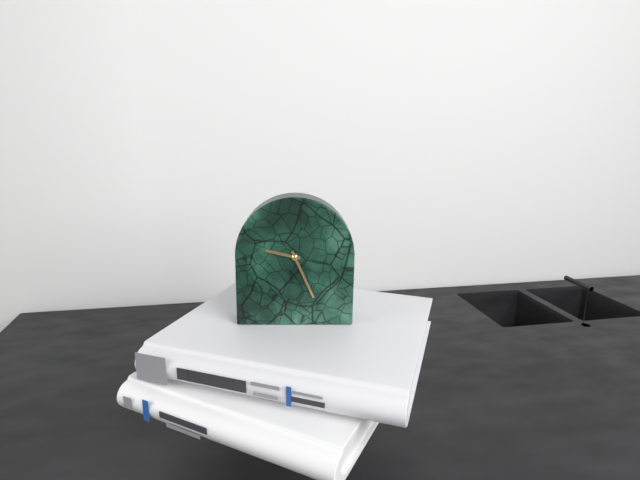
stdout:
{"hour": 9, "minute": 26}
